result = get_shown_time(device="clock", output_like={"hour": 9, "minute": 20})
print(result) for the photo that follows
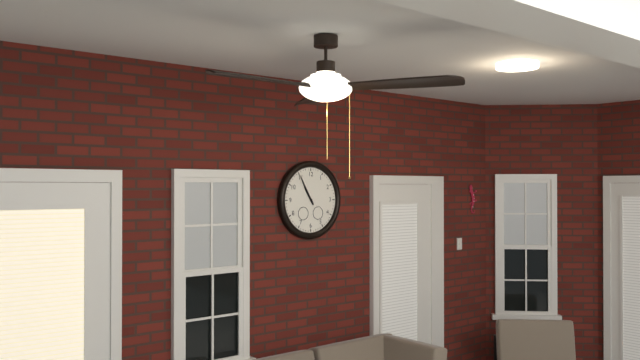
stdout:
{"hour": 10, "minute": 55}
